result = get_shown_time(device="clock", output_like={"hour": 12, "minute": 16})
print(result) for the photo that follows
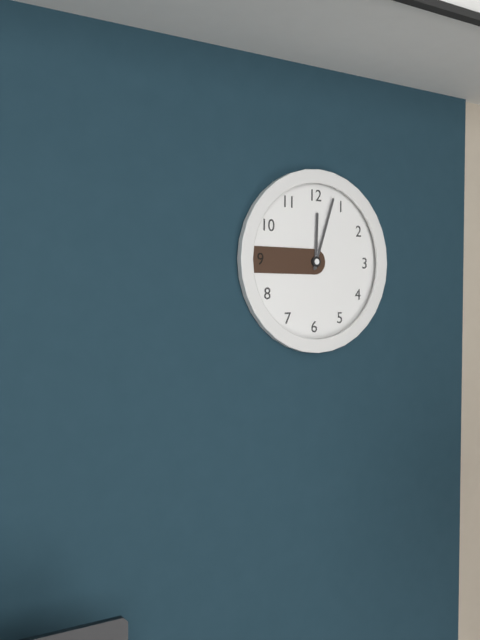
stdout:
{"hour": 12, "minute": 3}
